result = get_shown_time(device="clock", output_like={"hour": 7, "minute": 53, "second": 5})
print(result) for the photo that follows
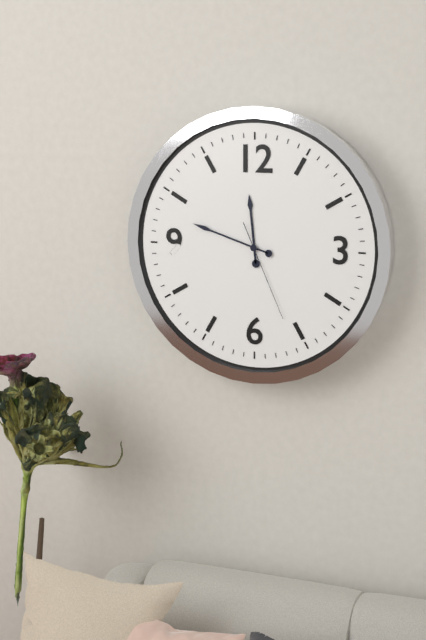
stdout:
{"hour": 11, "minute": 48, "second": 26}
